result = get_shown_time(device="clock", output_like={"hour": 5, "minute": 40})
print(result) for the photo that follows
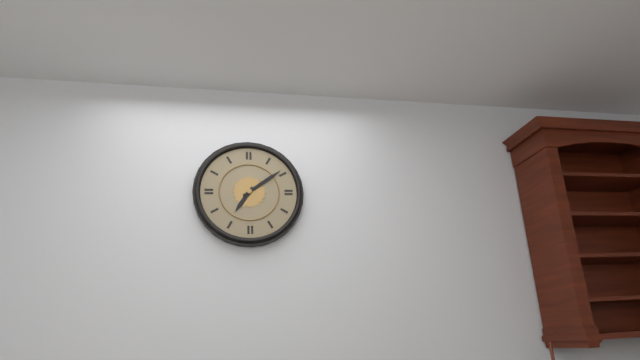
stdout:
{"hour": 7, "minute": 9}
